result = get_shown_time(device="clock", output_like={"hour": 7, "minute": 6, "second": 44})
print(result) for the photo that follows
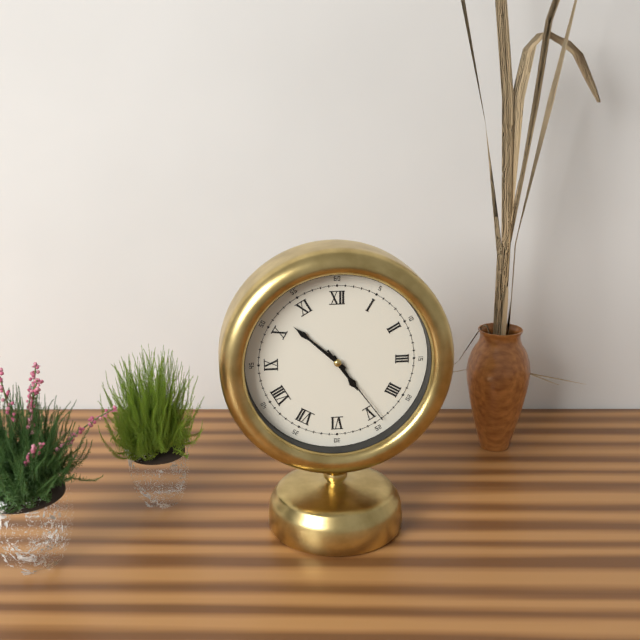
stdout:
{"hour": 4, "minute": 52, "second": 24}
